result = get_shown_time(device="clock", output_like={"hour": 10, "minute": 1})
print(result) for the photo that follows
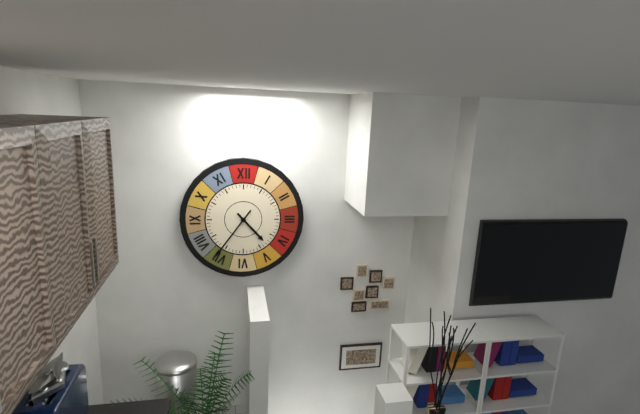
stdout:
{"hour": 4, "minute": 36}
